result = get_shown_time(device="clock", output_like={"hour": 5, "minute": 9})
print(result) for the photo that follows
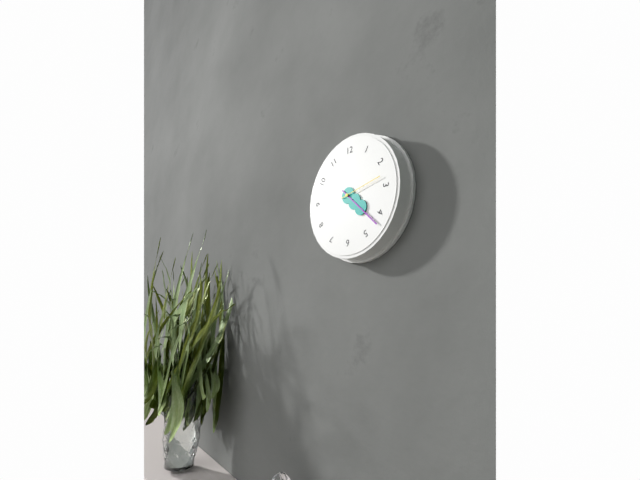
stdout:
{"hour": 4, "minute": 22}
